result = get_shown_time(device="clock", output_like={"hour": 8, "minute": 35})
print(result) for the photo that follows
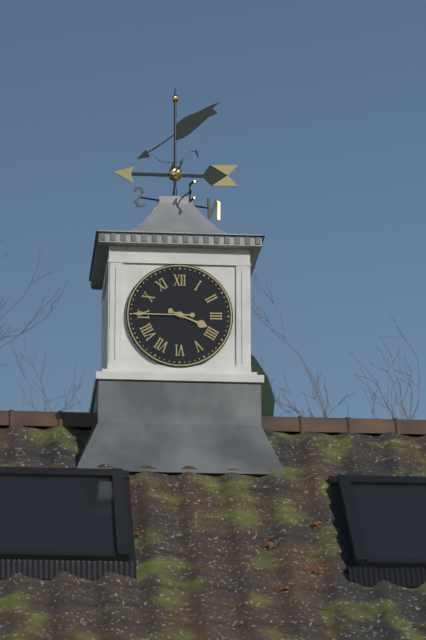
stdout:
{"hour": 3, "minute": 45}
